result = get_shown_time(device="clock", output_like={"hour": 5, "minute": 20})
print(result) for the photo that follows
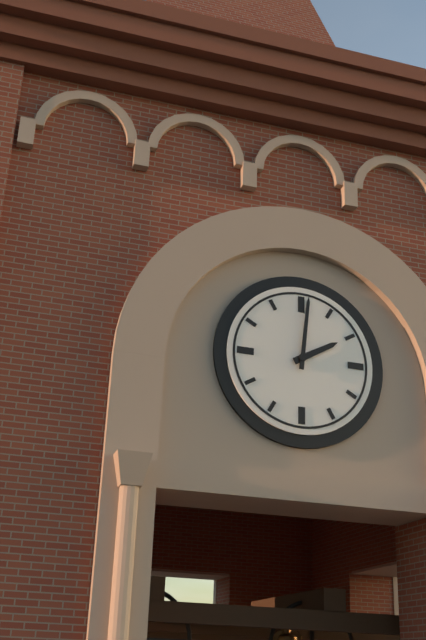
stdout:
{"hour": 2, "minute": 1}
